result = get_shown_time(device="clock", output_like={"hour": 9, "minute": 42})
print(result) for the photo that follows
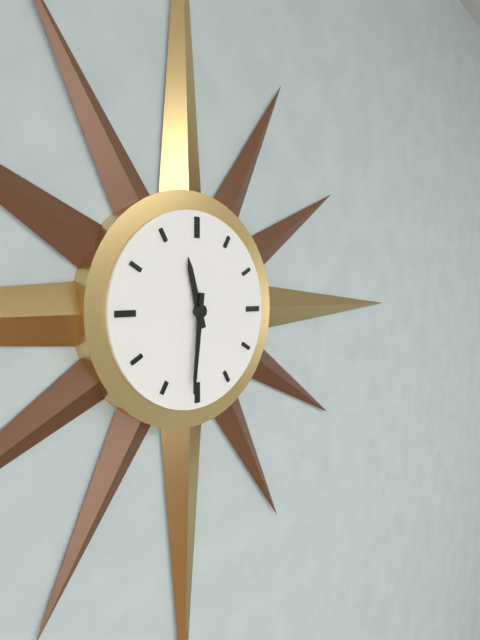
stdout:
{"hour": 11, "minute": 31}
